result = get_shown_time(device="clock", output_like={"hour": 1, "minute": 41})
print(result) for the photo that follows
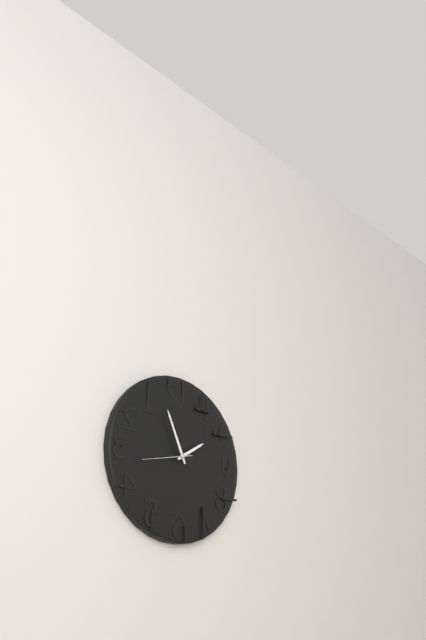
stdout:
{"hour": 1, "minute": 56}
